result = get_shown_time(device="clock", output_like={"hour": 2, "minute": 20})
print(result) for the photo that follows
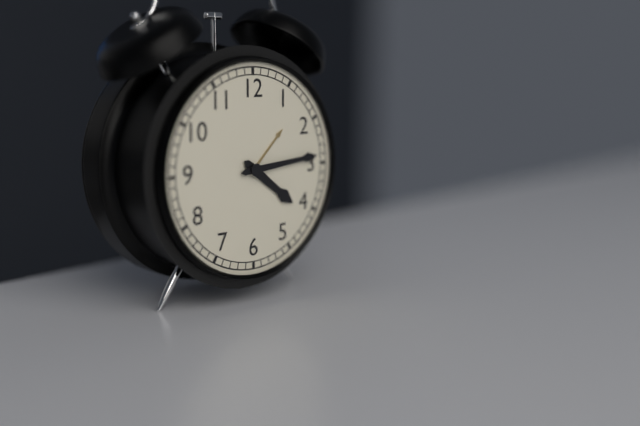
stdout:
{"hour": 4, "minute": 14}
